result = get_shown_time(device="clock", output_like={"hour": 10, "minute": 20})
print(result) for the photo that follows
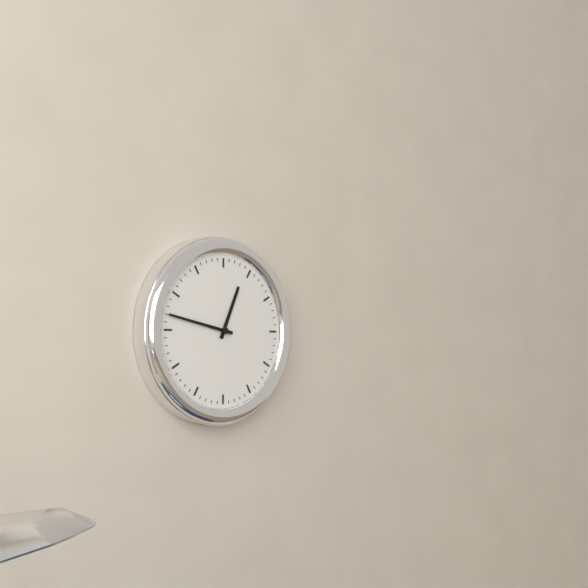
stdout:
{"hour": 12, "minute": 47}
